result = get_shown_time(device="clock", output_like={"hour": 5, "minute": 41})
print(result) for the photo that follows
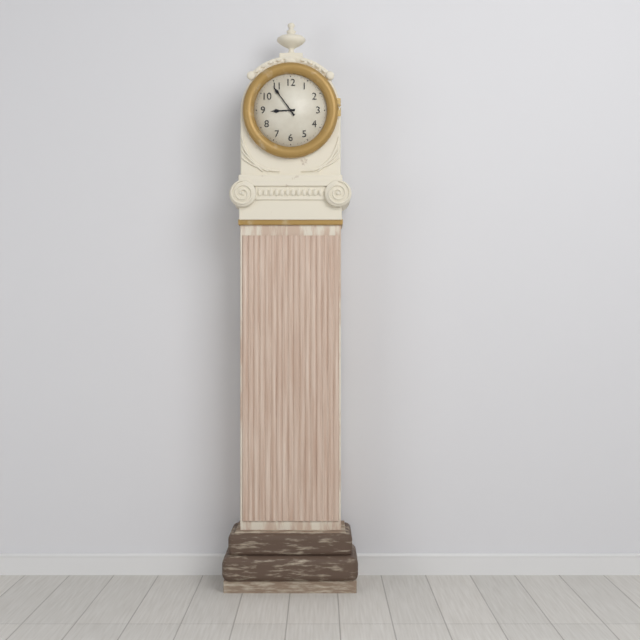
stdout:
{"hour": 8, "minute": 54}
